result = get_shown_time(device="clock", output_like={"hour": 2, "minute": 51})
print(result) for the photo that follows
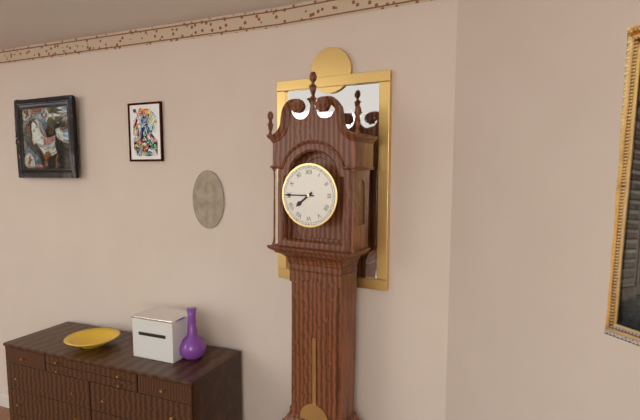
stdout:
{"hour": 7, "minute": 45}
